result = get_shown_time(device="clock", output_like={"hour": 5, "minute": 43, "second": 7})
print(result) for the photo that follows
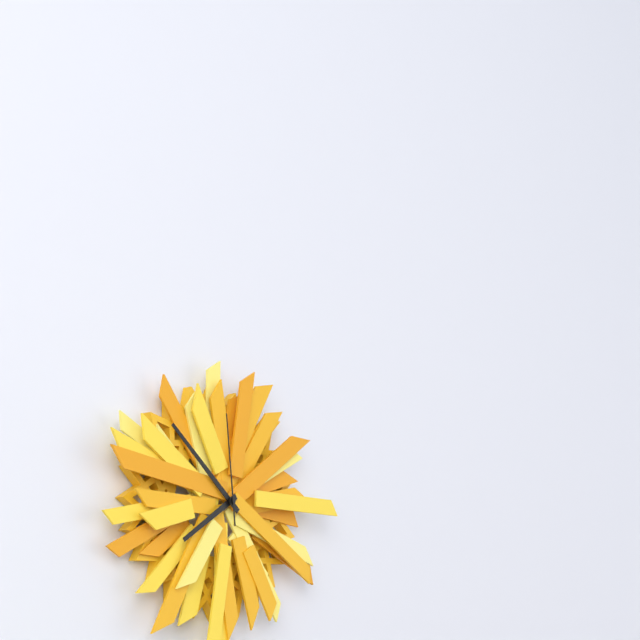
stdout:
{"hour": 7, "minute": 52, "second": 59}
